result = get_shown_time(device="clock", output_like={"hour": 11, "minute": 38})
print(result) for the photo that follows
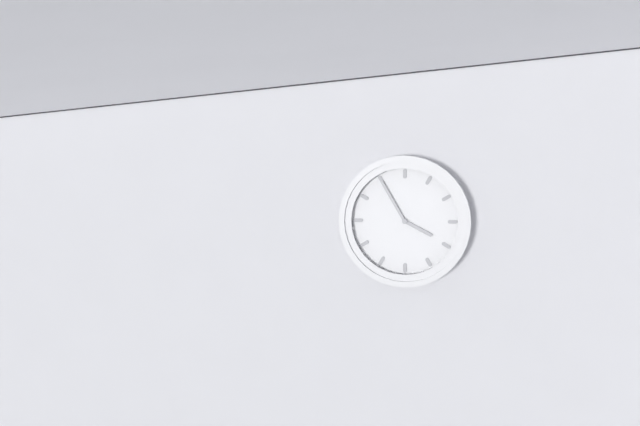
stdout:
{"hour": 3, "minute": 55}
